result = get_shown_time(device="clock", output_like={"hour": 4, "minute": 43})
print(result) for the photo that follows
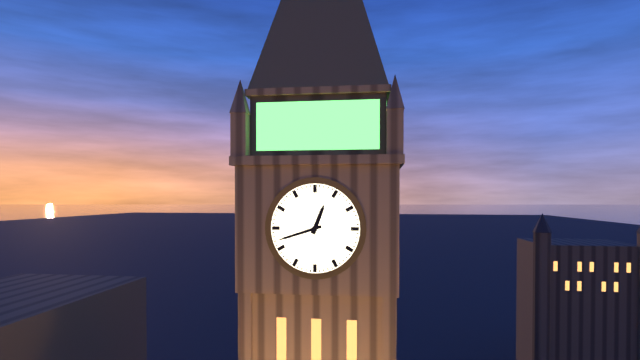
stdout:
{"hour": 12, "minute": 42}
